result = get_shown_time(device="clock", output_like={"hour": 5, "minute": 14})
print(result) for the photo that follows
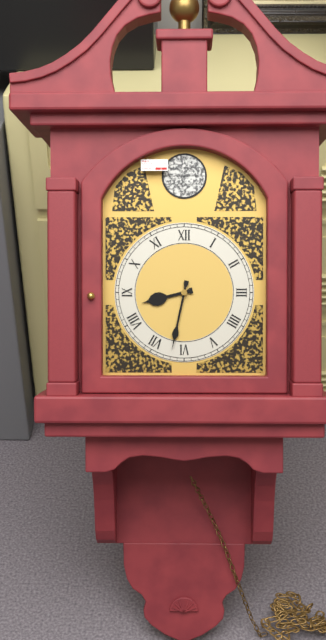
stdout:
{"hour": 8, "minute": 32}
